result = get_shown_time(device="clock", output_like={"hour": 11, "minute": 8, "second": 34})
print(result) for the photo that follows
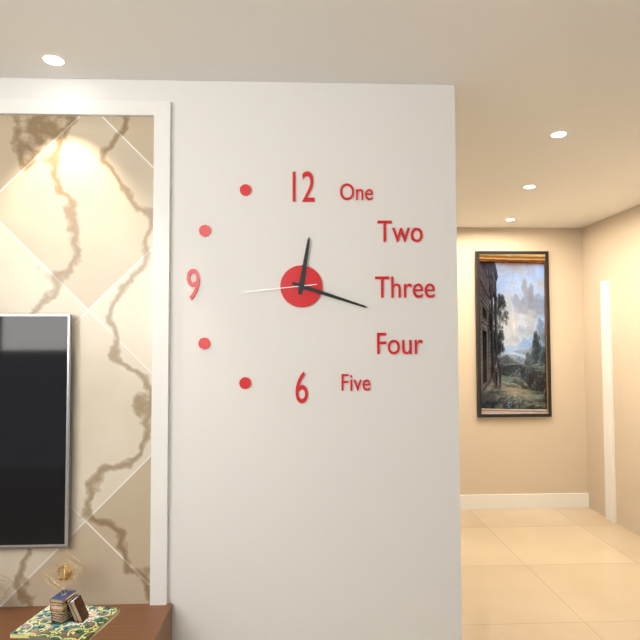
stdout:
{"hour": 12, "minute": 18, "second": 44}
